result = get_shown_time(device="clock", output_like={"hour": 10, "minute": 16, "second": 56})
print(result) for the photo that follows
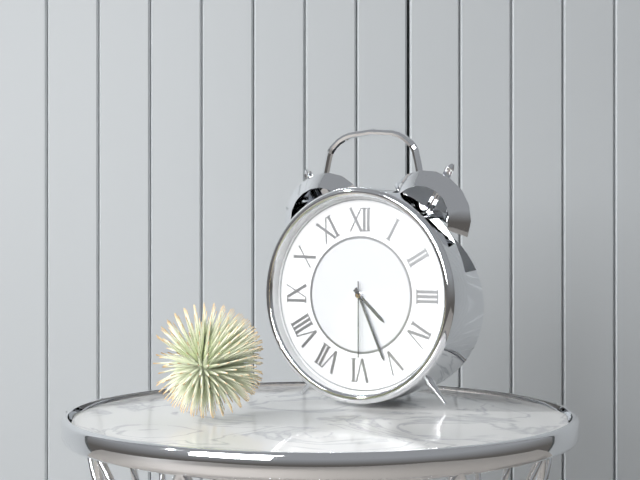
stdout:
{"hour": 4, "minute": 26, "second": 30}
